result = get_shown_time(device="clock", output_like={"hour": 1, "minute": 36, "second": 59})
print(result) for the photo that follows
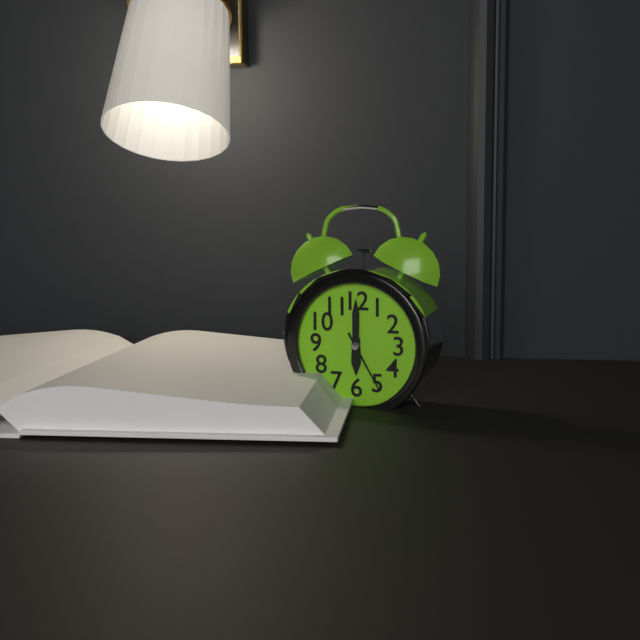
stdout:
{"hour": 6, "minute": 0, "second": 25}
